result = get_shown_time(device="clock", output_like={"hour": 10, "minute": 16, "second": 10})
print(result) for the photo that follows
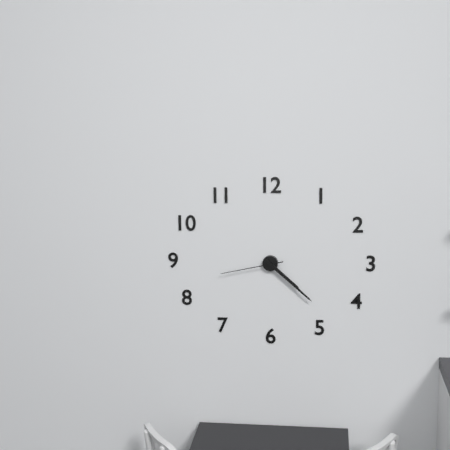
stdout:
{"hour": 4, "minute": 22, "second": 43}
